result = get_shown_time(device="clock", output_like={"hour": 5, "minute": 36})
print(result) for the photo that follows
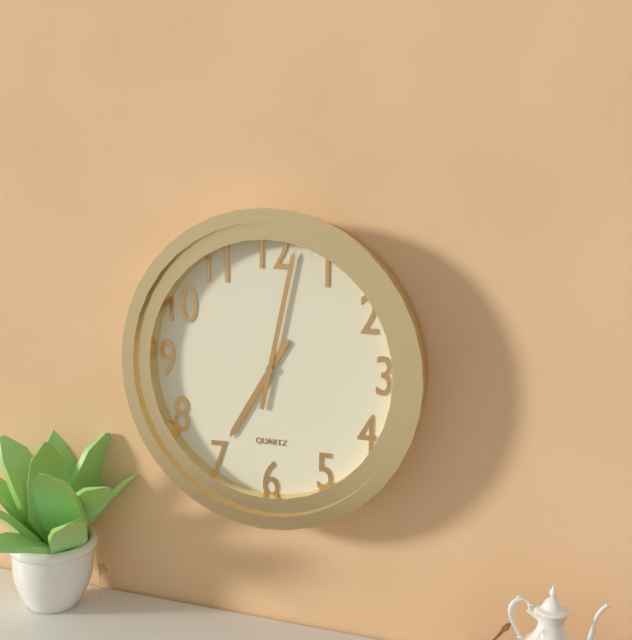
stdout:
{"hour": 7, "minute": 2}
